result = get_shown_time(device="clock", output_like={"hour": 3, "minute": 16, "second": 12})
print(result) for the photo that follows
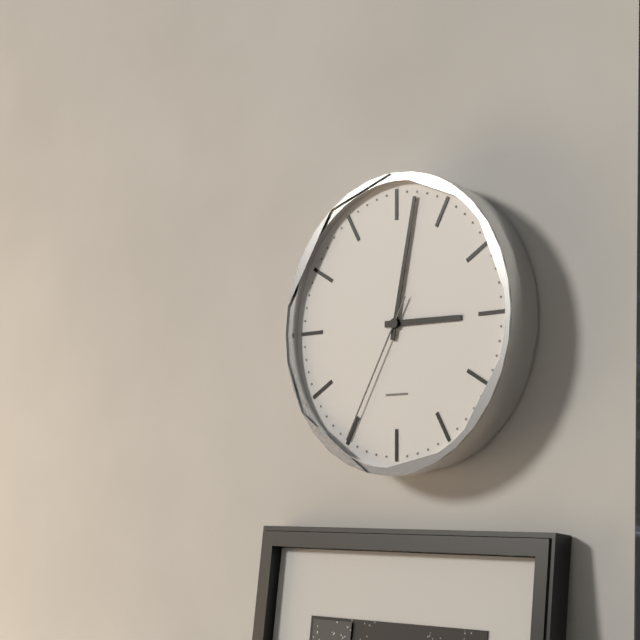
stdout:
{"hour": 3, "minute": 2, "second": 35}
